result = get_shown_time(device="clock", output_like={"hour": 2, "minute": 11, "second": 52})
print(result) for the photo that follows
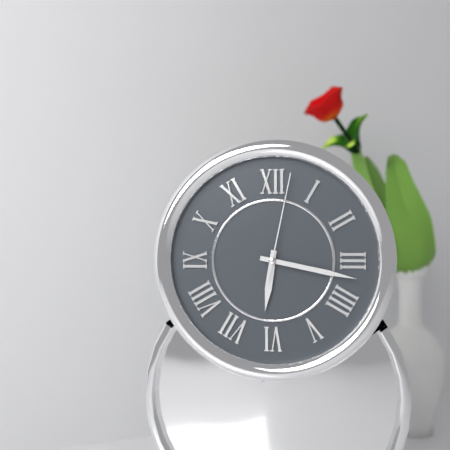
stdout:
{"hour": 6, "minute": 17, "second": 2}
